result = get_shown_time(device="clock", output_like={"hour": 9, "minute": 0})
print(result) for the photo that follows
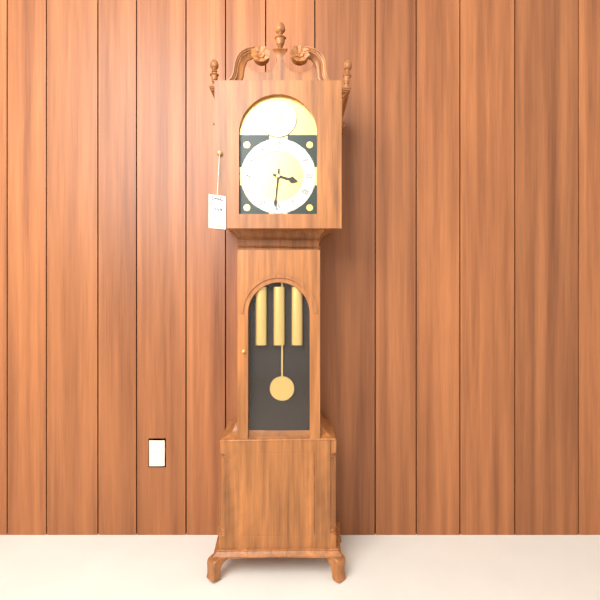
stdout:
{"hour": 3, "minute": 31}
